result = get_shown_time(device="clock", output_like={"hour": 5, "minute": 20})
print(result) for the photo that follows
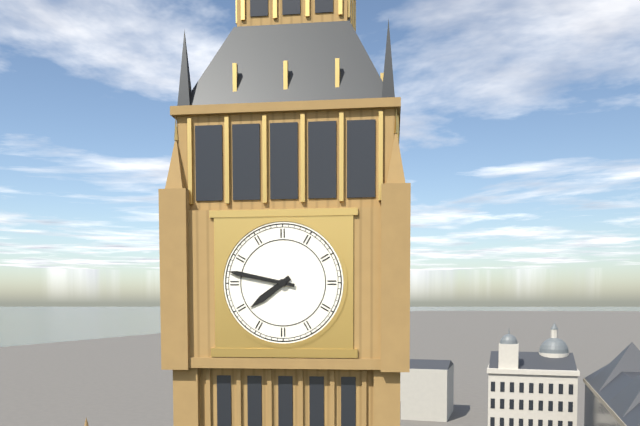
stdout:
{"hour": 7, "minute": 47}
